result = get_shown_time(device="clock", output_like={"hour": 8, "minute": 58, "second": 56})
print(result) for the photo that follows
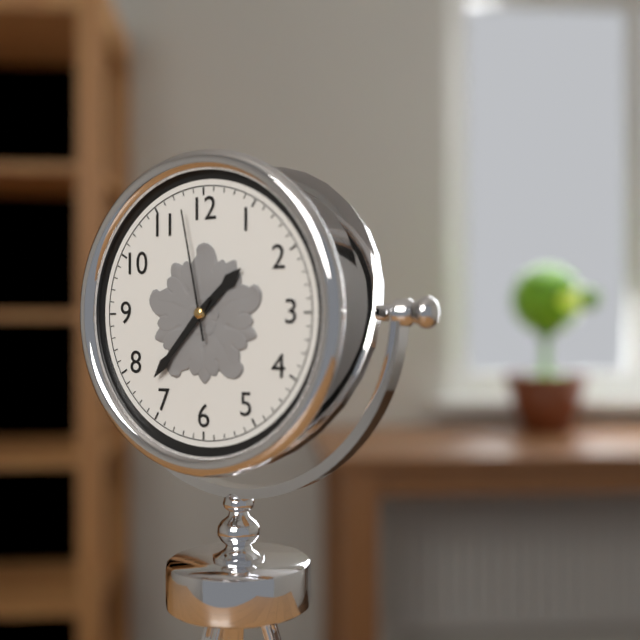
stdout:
{"hour": 1, "minute": 37, "second": 58}
